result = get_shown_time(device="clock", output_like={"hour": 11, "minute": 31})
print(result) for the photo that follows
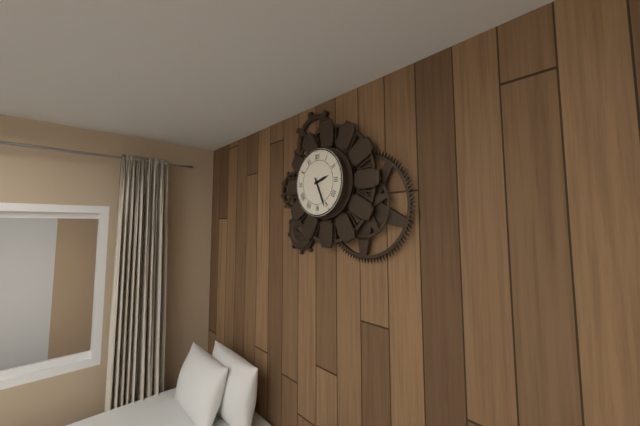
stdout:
{"hour": 2, "minute": 26}
